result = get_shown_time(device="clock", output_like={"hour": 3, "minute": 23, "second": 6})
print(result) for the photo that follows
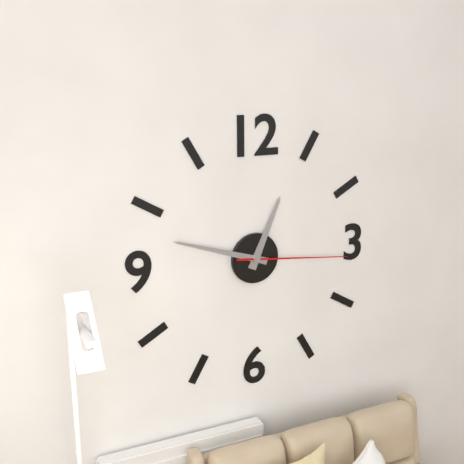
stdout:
{"hour": 12, "minute": 48, "second": 16}
